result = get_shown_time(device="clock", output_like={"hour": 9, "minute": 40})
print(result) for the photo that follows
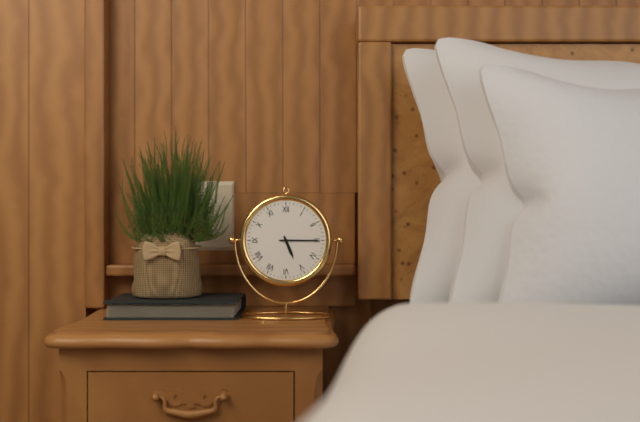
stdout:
{"hour": 5, "minute": 15}
